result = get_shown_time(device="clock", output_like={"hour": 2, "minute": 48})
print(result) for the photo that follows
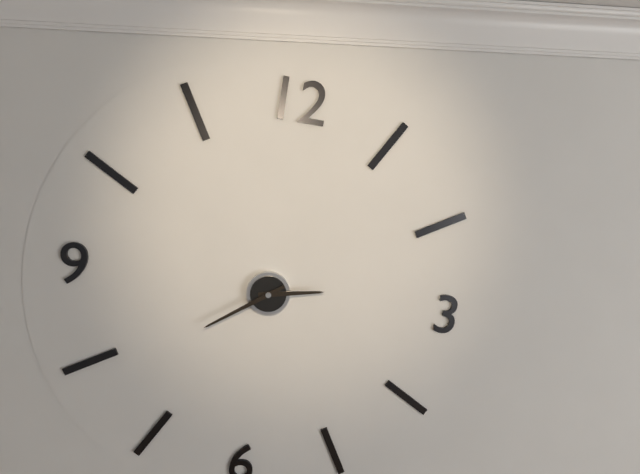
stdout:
{"hour": 2, "minute": 39}
